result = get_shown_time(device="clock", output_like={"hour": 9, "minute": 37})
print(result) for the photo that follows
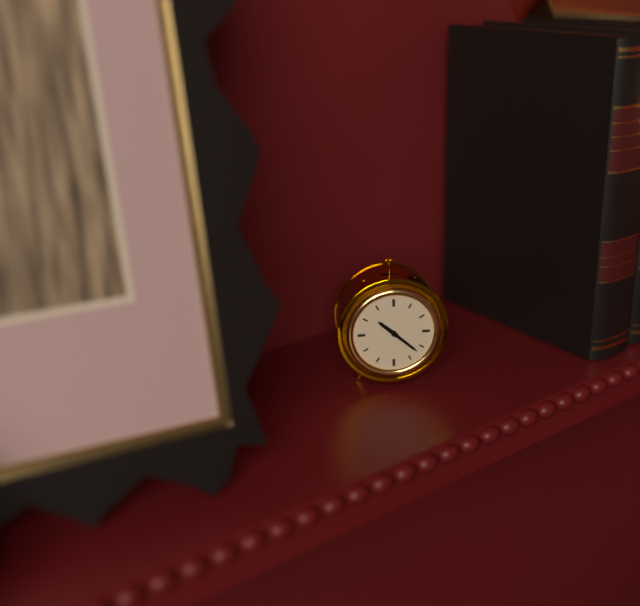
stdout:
{"hour": 10, "minute": 22}
